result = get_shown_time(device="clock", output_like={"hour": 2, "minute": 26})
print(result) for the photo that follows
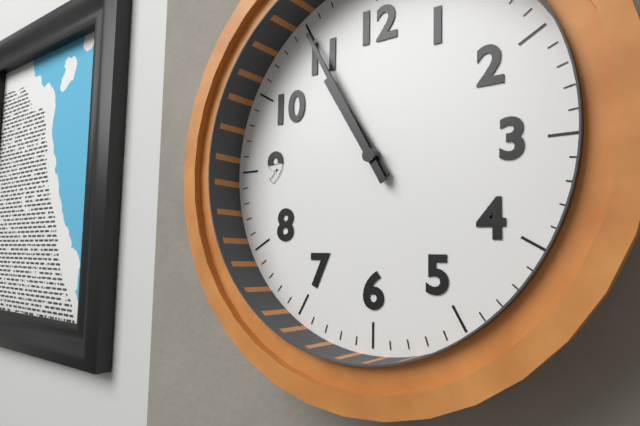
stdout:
{"hour": 10, "minute": 55}
